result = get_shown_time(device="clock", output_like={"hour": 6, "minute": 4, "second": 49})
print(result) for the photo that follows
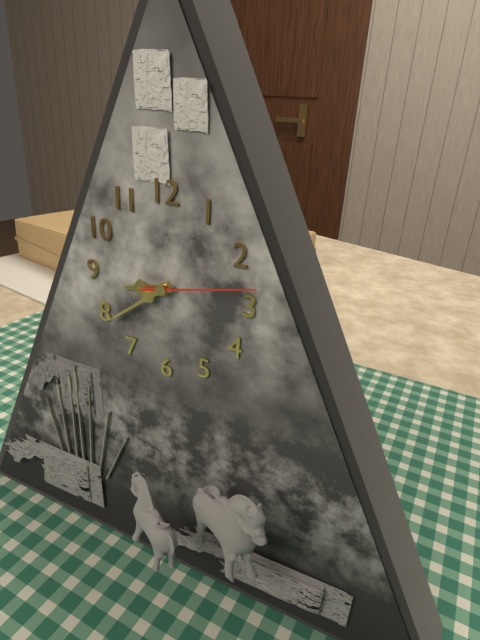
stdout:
{"hour": 8, "minute": 39, "second": 13}
